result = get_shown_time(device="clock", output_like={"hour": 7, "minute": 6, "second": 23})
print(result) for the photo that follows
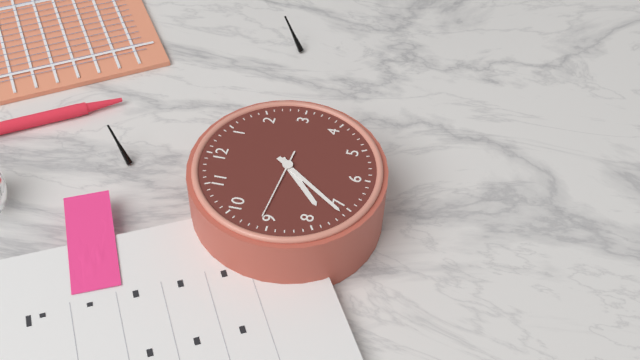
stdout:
{"hour": 7, "minute": 36, "second": 46}
